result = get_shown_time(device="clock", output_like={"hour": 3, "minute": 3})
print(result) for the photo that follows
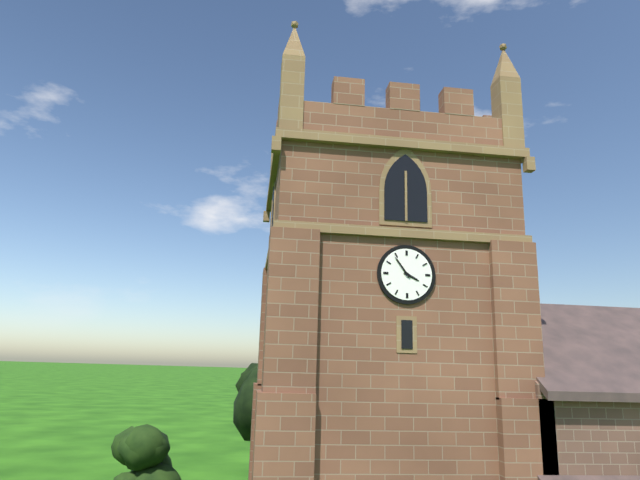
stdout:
{"hour": 3, "minute": 54}
